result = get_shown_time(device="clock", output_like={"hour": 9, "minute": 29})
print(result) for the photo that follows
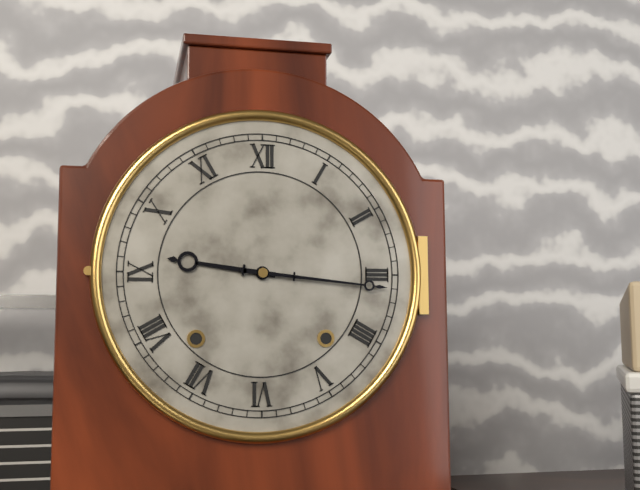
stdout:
{"hour": 9, "minute": 16}
